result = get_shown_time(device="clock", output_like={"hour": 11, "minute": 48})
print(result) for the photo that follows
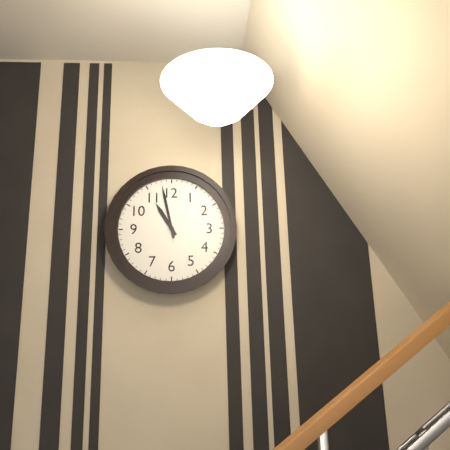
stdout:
{"hour": 10, "minute": 58}
